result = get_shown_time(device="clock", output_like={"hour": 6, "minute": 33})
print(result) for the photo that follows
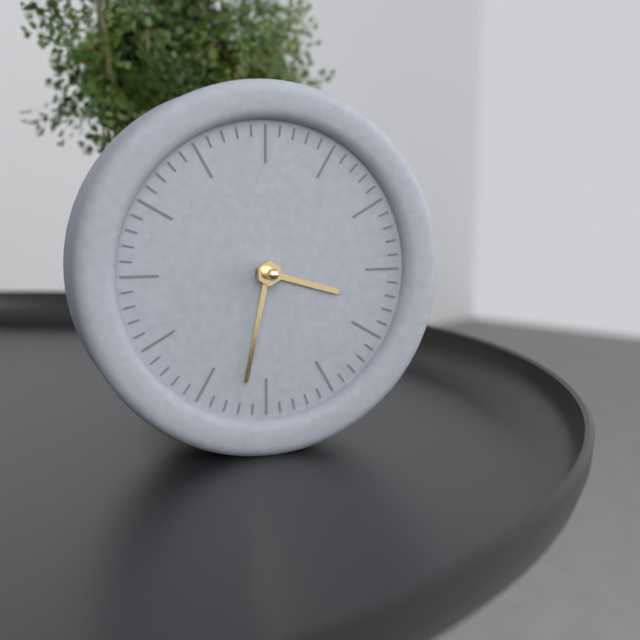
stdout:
{"hour": 3, "minute": 32}
